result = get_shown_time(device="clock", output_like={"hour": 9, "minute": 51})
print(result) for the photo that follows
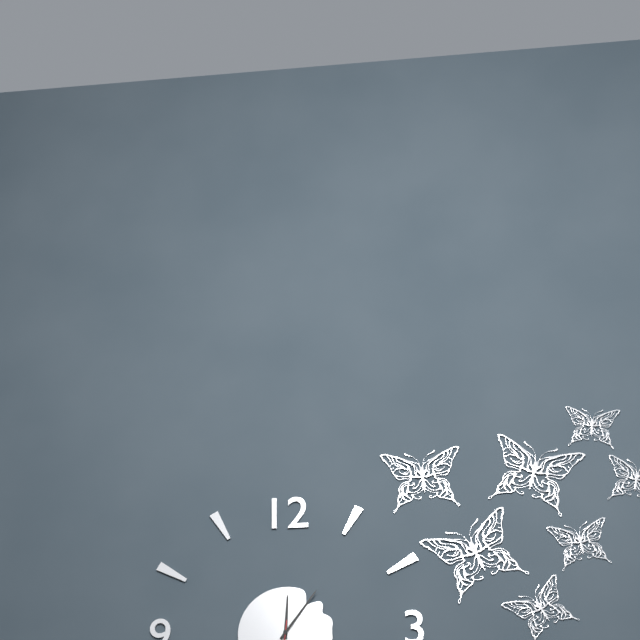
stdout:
{"hour": 12, "minute": 6}
